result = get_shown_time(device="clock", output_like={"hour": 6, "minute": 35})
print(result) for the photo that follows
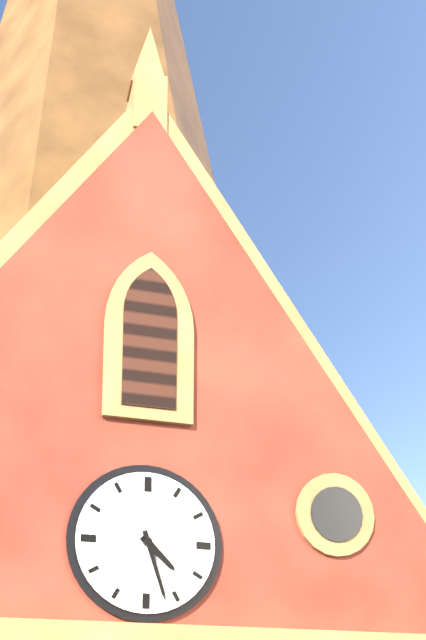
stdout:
{"hour": 4, "minute": 27}
